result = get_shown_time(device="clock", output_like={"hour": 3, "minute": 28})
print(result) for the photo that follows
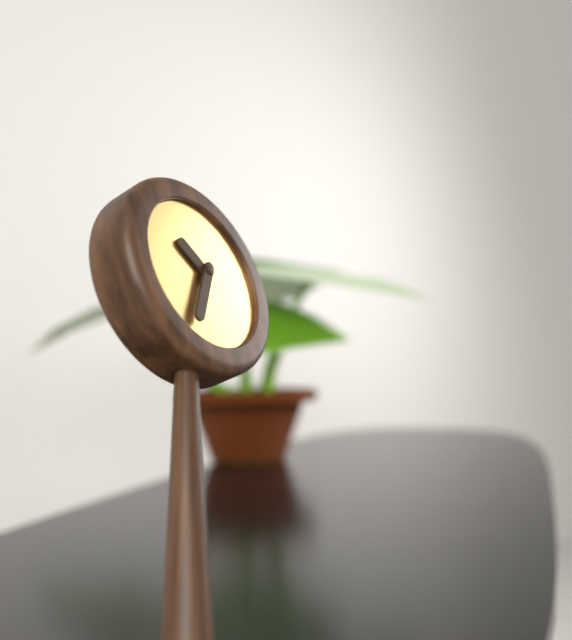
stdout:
{"hour": 10, "minute": 36}
